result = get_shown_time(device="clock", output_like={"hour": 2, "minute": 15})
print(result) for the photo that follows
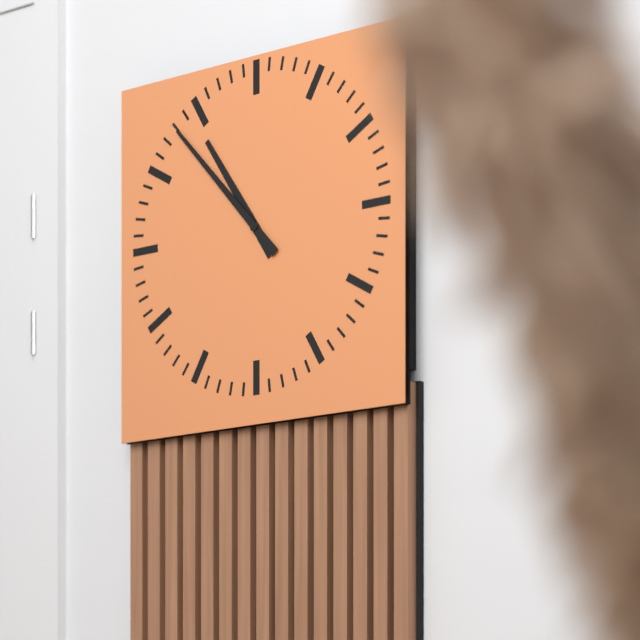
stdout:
{"hour": 10, "minute": 53}
